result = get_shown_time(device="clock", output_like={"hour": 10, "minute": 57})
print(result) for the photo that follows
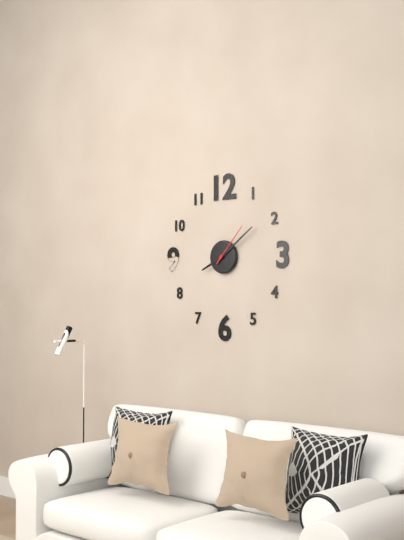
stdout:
{"hour": 8, "minute": 9}
